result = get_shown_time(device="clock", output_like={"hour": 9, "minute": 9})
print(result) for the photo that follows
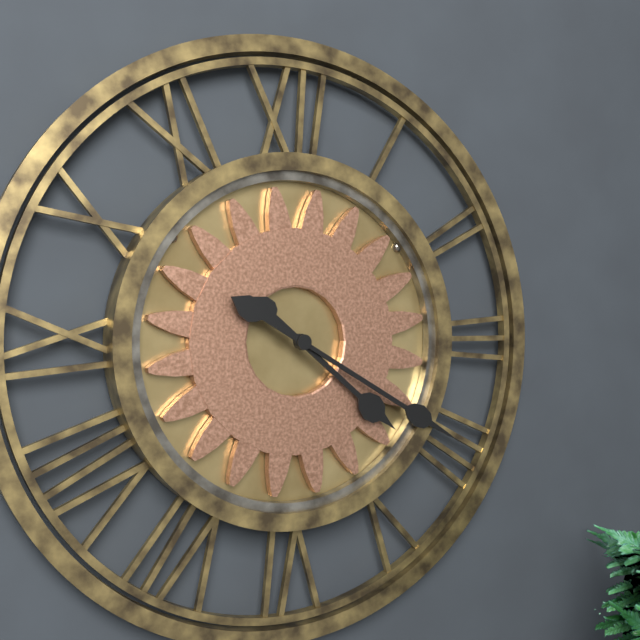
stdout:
{"hour": 4, "minute": 20}
